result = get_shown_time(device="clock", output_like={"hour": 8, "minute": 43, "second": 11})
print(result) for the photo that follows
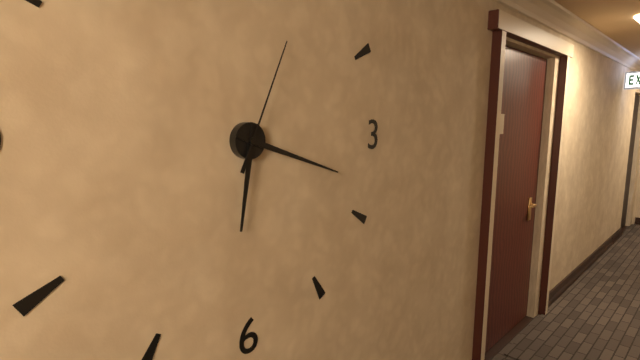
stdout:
{"hour": 6, "minute": 18, "second": 4}
